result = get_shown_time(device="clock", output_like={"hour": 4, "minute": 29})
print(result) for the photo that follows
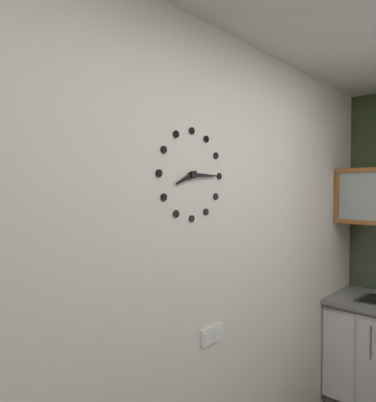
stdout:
{"hour": 8, "minute": 15}
